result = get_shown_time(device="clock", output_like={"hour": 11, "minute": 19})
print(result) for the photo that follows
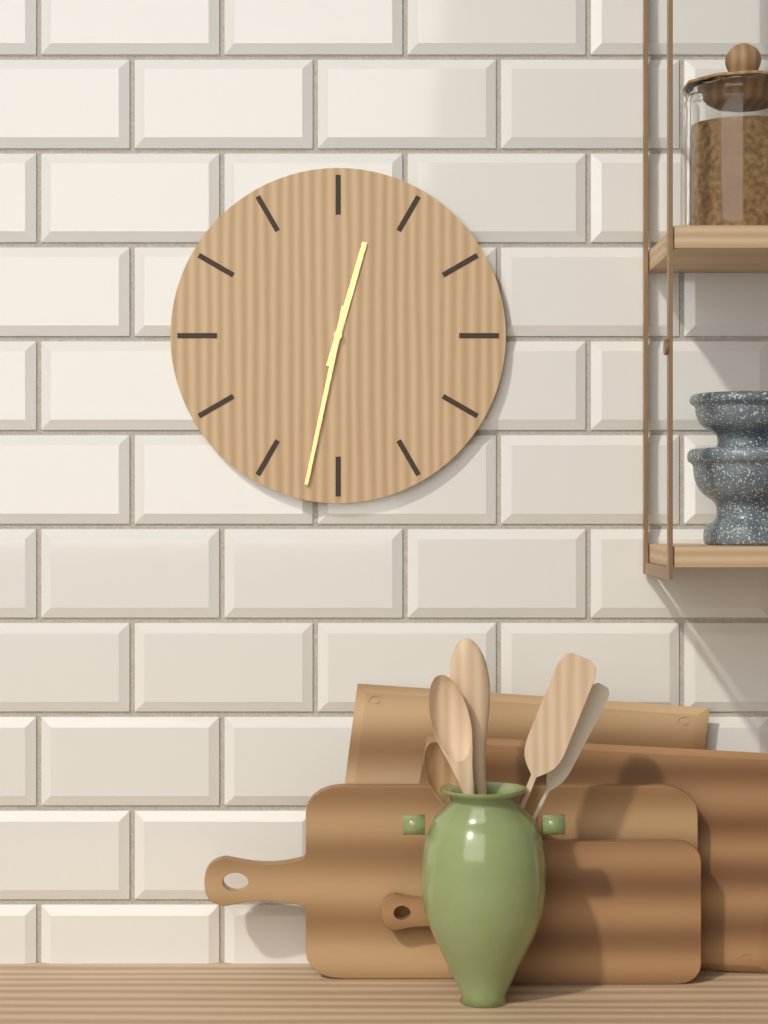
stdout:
{"hour": 12, "minute": 32}
